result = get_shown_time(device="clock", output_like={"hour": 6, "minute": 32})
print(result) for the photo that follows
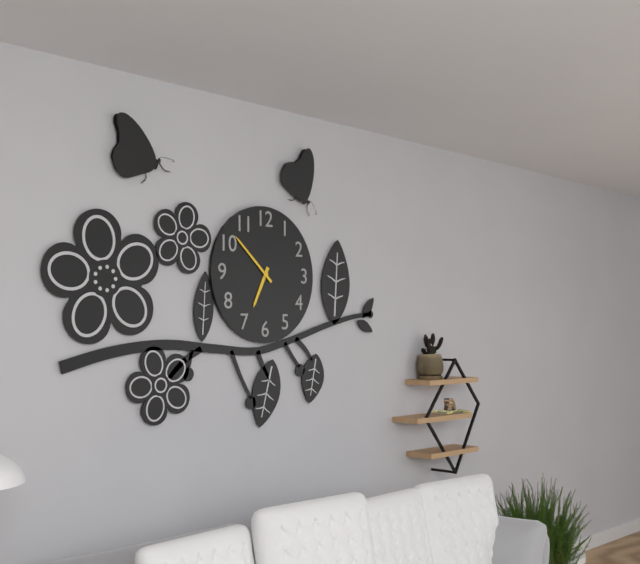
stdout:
{"hour": 6, "minute": 52}
